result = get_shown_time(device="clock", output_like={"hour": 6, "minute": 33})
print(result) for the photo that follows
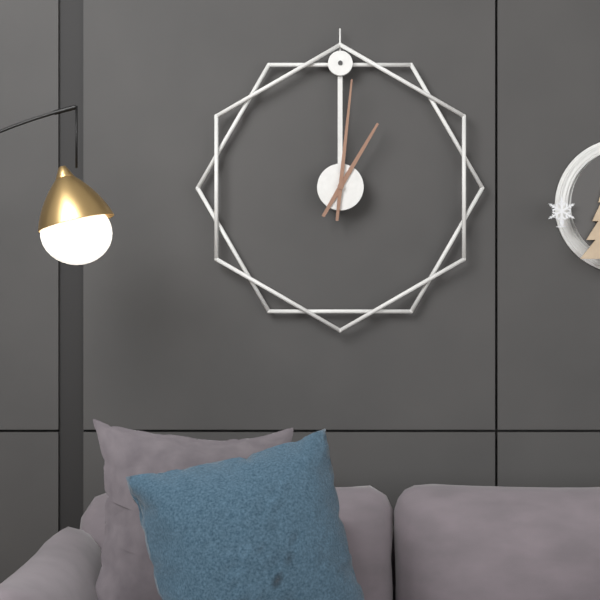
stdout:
{"hour": 1, "minute": 1}
